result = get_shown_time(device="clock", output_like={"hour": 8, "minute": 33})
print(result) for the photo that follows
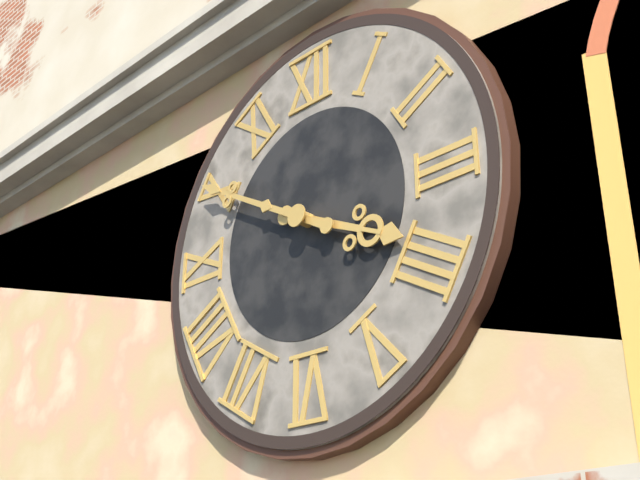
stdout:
{"hour": 3, "minute": 50}
